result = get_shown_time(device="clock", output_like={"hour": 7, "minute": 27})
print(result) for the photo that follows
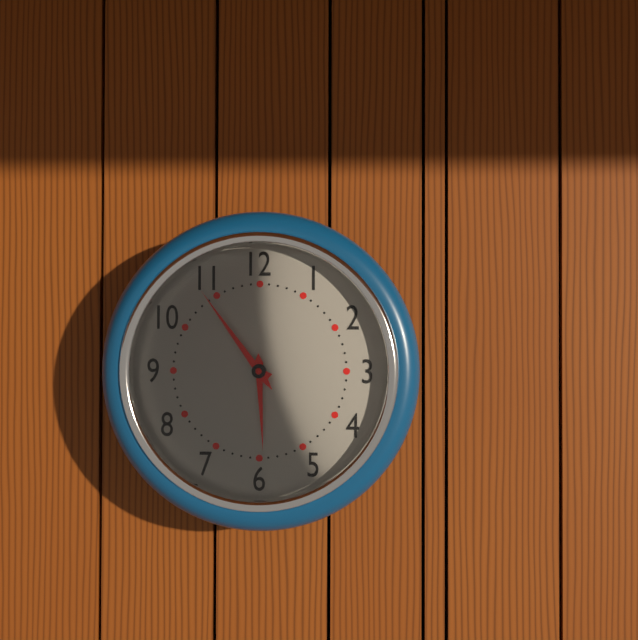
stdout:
{"hour": 5, "minute": 54}
